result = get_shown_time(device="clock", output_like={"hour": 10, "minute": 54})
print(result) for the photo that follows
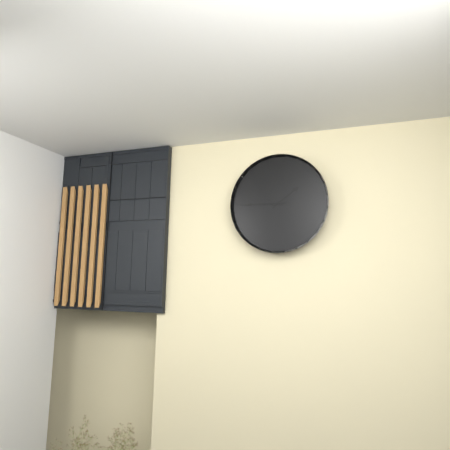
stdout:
{"hour": 1, "minute": 45}
